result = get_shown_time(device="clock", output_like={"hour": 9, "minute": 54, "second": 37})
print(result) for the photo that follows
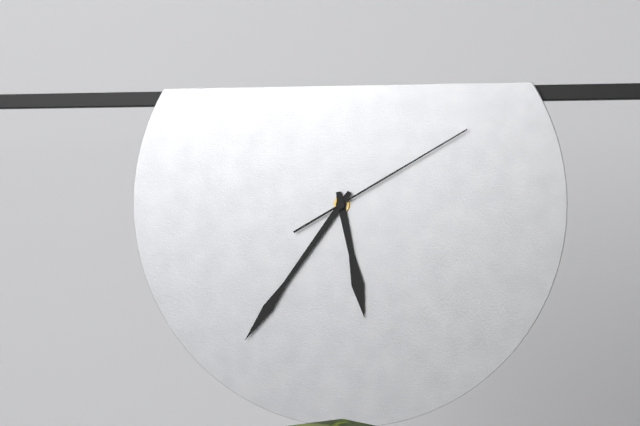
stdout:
{"hour": 5, "minute": 36, "second": 10}
